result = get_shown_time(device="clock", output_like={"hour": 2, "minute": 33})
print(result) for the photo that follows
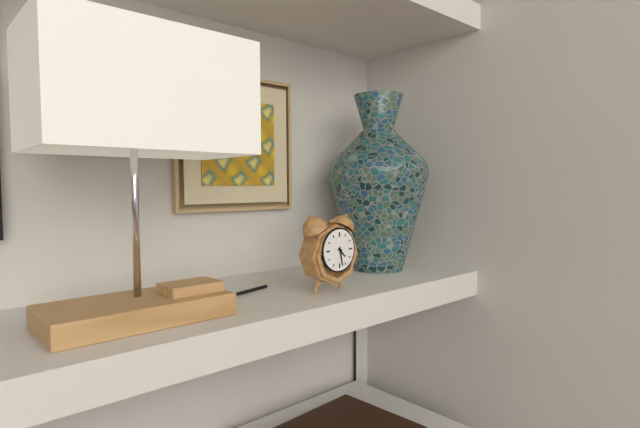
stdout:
{"hour": 4, "minute": 28}
